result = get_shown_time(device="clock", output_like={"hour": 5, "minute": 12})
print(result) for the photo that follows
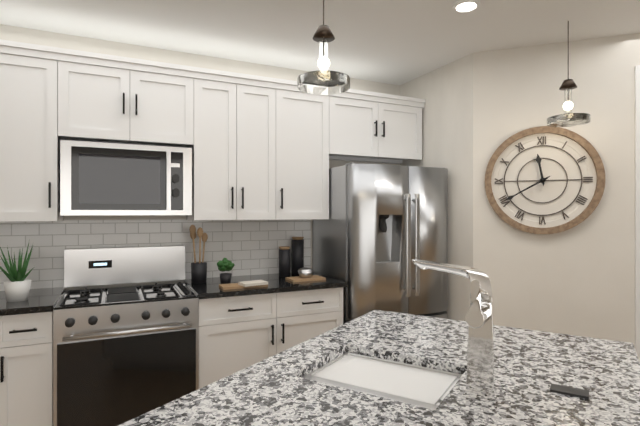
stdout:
{"hour": 11, "minute": 40}
